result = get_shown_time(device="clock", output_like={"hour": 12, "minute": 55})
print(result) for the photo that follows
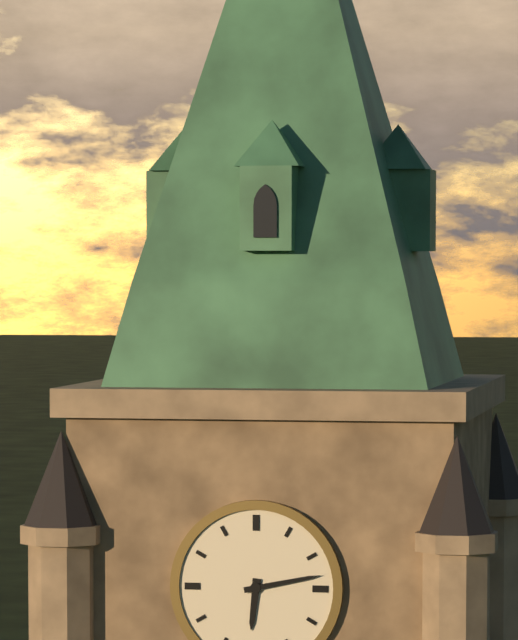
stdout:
{"hour": 6, "minute": 13}
